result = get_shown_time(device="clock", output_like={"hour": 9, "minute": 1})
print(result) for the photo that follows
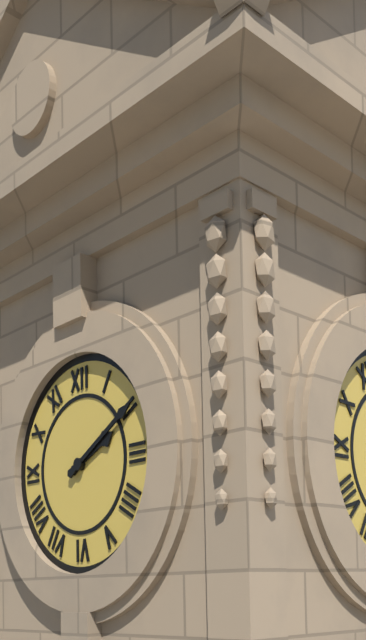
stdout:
{"hour": 2, "minute": 10}
